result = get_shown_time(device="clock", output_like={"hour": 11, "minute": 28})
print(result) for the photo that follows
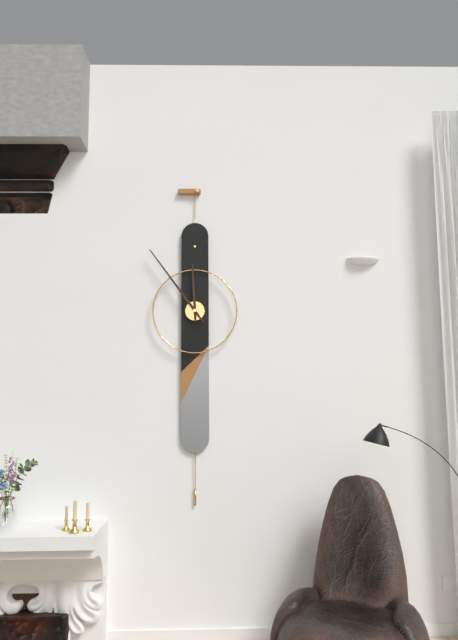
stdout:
{"hour": 11, "minute": 54}
